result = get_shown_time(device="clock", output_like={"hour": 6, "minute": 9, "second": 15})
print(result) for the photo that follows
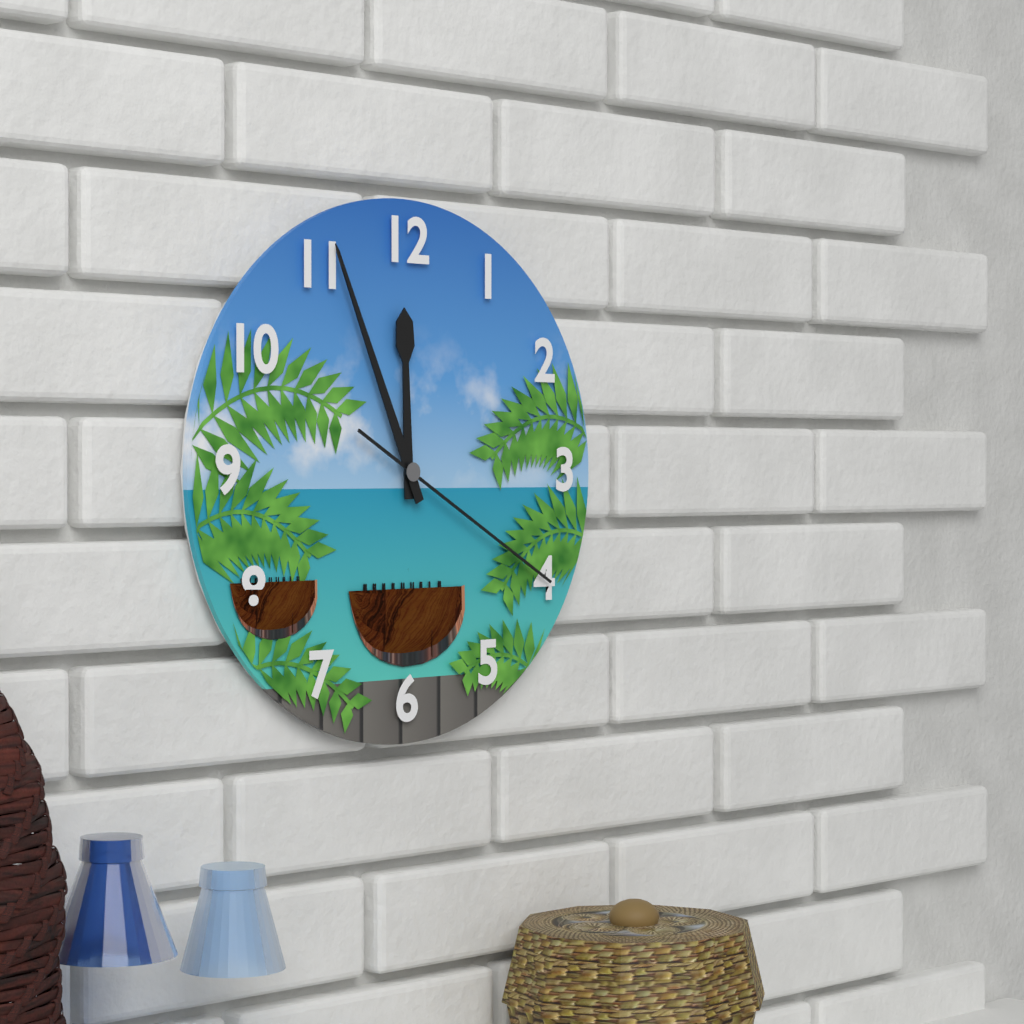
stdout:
{"hour": 11, "minute": 56, "second": 20}
